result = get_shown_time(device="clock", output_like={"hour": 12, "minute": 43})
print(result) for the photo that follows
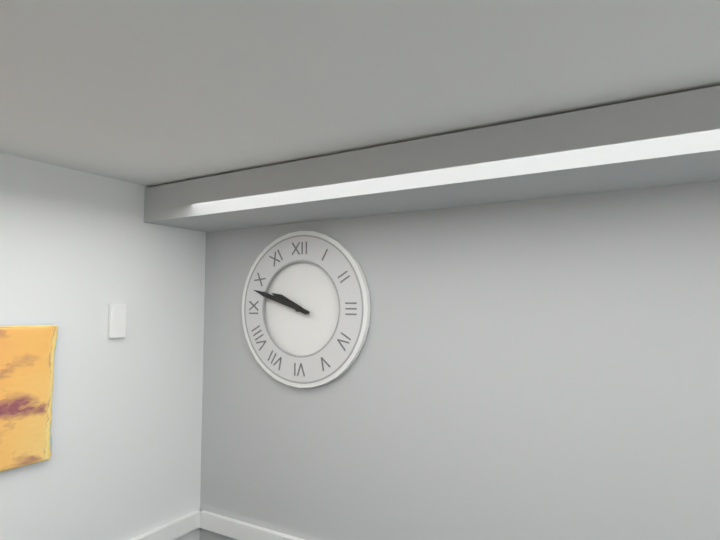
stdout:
{"hour": 9, "minute": 48}
